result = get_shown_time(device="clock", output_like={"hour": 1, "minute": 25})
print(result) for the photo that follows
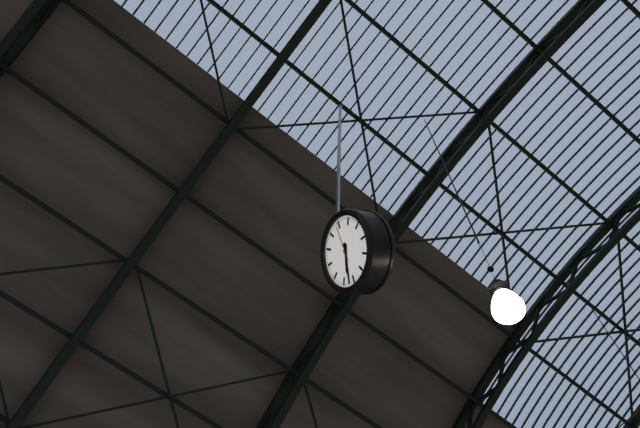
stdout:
{"hour": 7, "minute": 37}
